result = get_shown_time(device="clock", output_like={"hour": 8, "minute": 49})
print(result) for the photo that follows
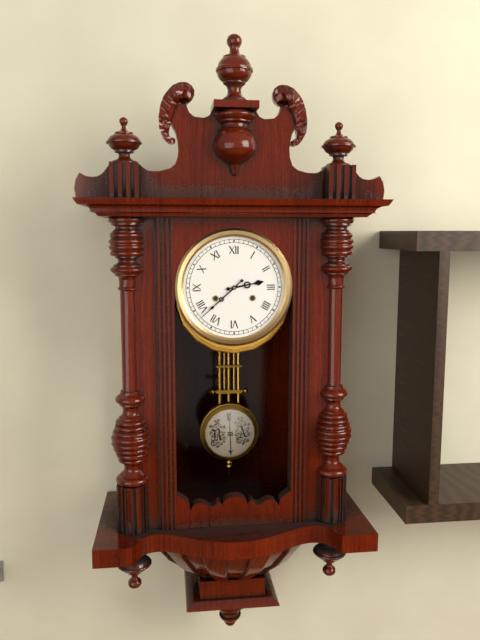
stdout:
{"hour": 2, "minute": 38}
